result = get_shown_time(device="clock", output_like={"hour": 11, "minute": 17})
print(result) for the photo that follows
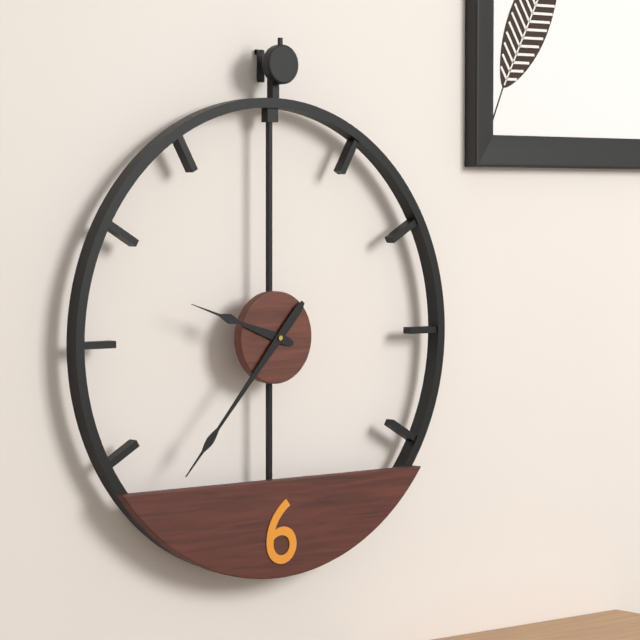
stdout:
{"hour": 9, "minute": 37}
